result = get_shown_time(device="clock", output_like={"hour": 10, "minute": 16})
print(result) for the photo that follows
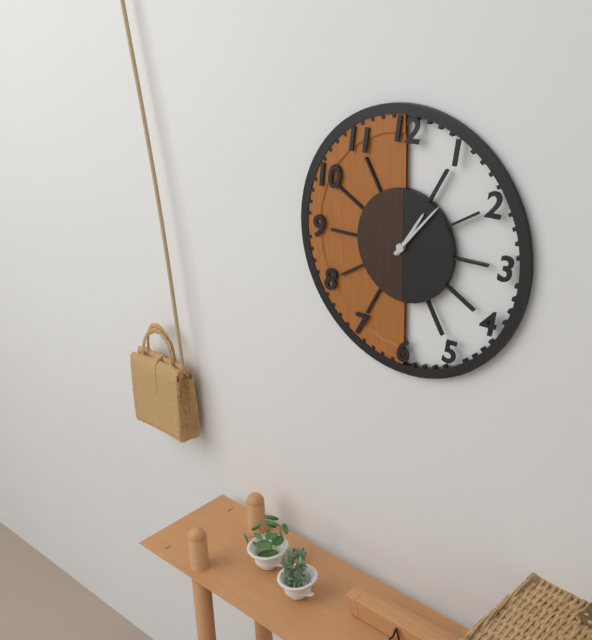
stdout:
{"hour": 1, "minute": 7}
